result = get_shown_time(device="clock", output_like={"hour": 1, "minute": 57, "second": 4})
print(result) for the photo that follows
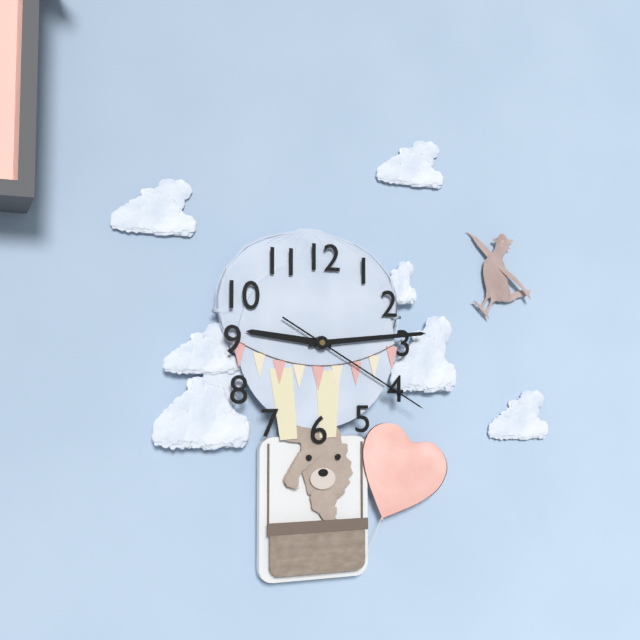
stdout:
{"hour": 9, "minute": 14, "second": 20}
